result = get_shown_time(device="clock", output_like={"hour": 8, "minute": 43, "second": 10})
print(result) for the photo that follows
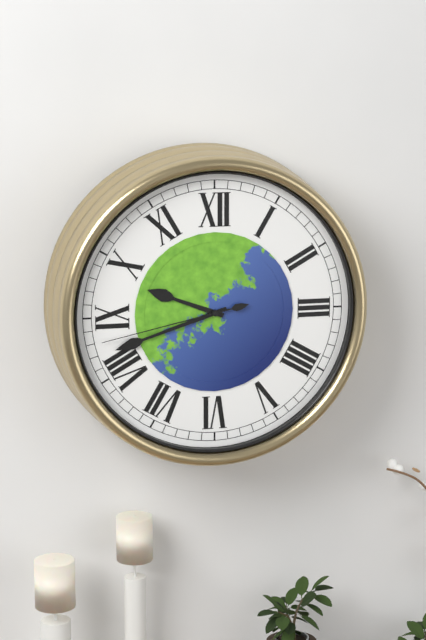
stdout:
{"hour": 9, "minute": 42, "second": 43}
